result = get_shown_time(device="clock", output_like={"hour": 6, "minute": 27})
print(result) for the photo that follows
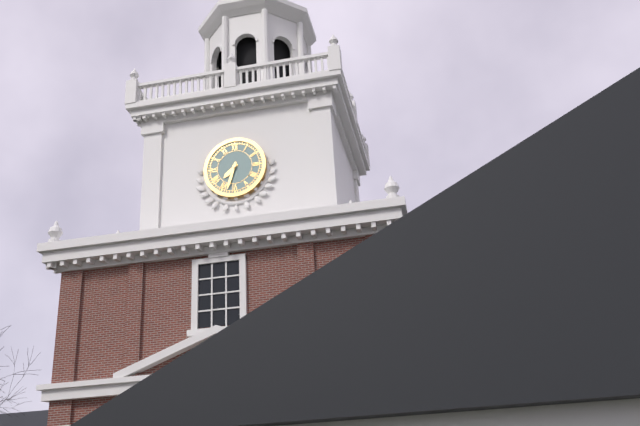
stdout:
{"hour": 7, "minute": 33}
